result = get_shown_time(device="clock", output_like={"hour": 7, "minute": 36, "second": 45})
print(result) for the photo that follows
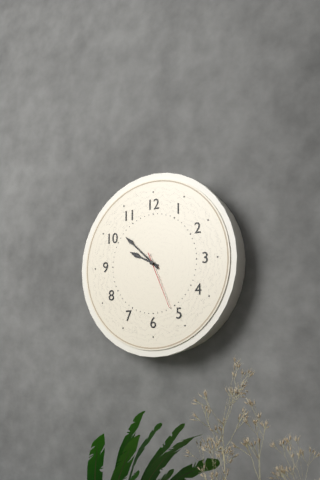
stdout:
{"hour": 9, "minute": 52, "second": 26}
